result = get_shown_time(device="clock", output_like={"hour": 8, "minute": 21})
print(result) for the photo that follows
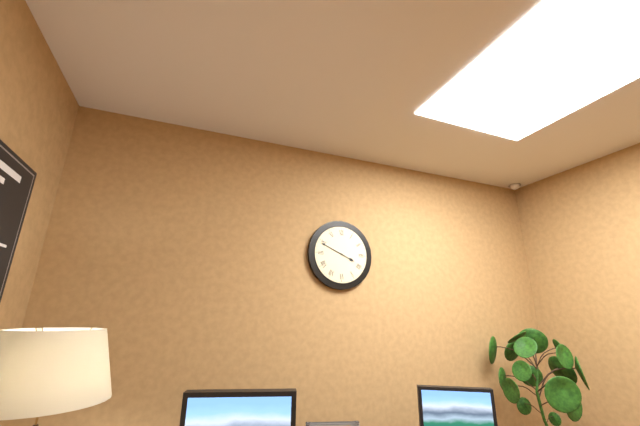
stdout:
{"hour": 3, "minute": 49}
